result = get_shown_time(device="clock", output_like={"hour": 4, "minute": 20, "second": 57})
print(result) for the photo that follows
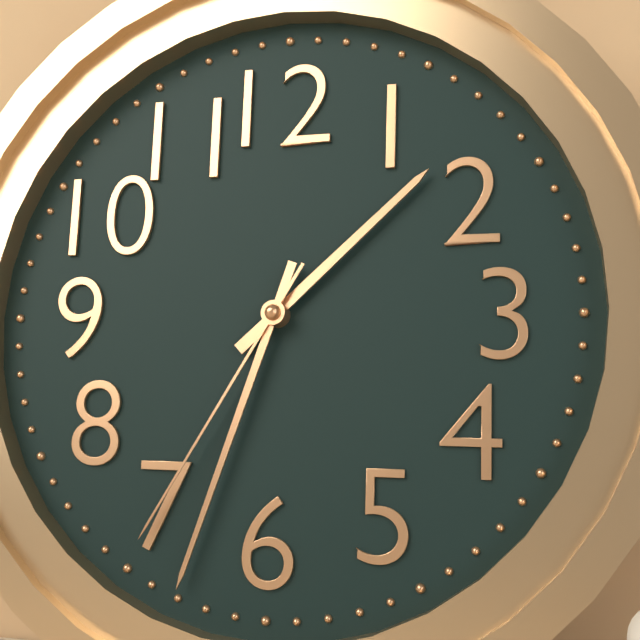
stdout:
{"hour": 1, "minute": 33, "second": 35}
